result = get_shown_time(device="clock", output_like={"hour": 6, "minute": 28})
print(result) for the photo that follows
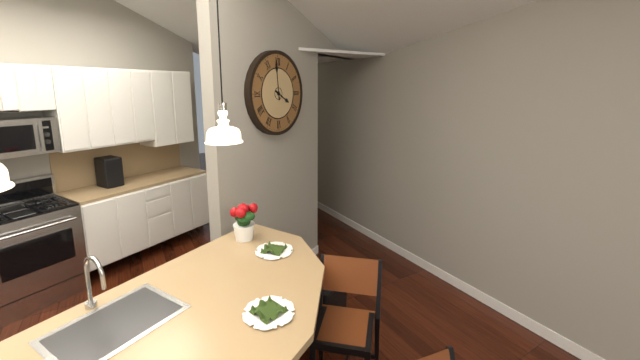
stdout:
{"hour": 3, "minute": 59}
